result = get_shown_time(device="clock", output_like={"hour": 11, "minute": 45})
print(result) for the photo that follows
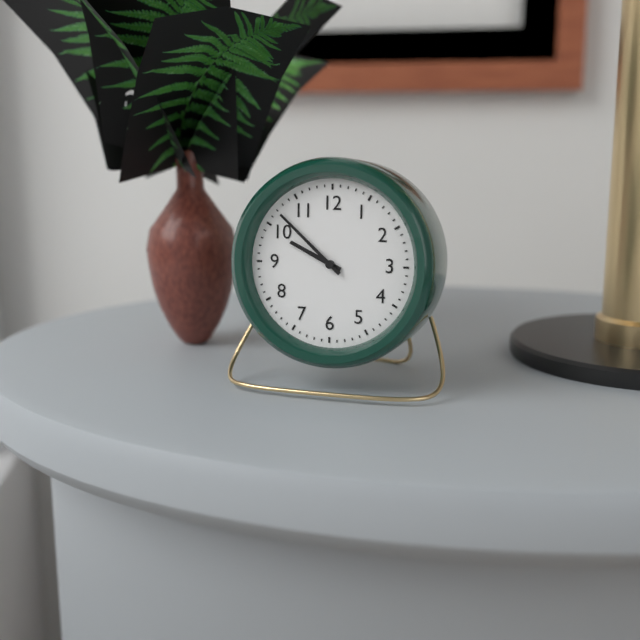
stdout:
{"hour": 9, "minute": 52}
